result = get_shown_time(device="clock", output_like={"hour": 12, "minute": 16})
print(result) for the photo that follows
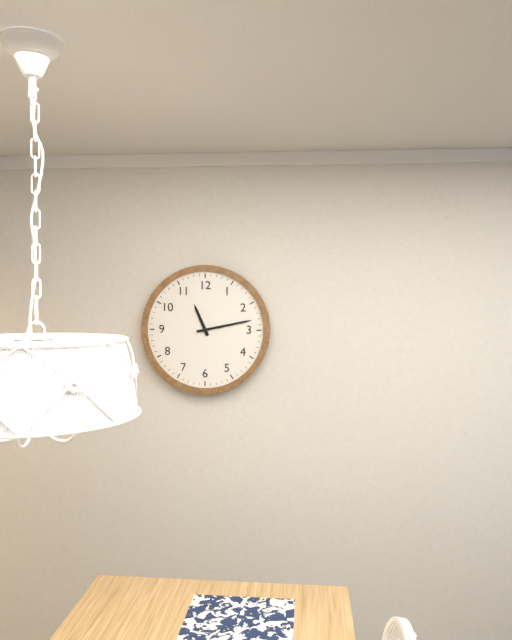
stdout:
{"hour": 11, "minute": 13}
